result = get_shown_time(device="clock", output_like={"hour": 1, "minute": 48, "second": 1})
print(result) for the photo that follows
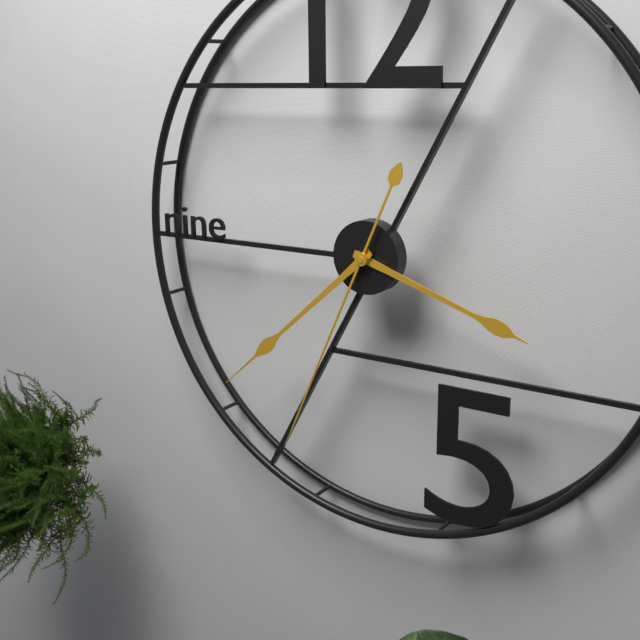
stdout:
{"hour": 3, "minute": 38, "second": 34}
